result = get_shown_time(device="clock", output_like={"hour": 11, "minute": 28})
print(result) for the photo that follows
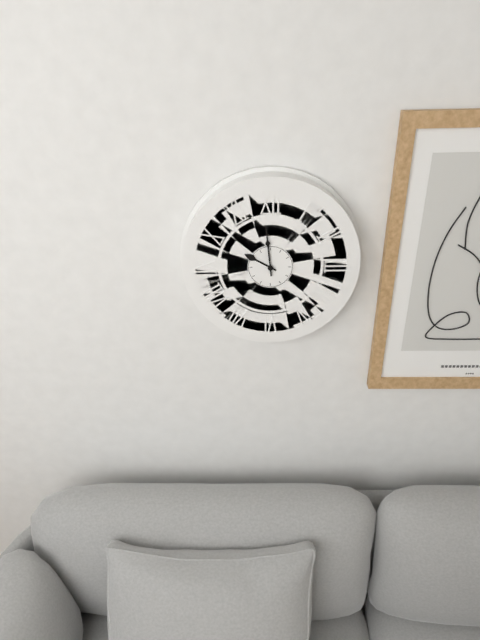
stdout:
{"hour": 9, "minute": 59}
